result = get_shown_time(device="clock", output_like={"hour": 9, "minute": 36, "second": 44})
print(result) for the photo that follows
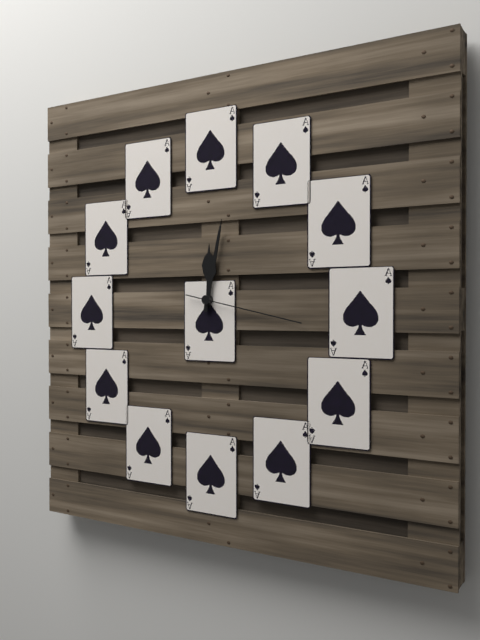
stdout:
{"hour": 12, "minute": 2, "second": 17}
